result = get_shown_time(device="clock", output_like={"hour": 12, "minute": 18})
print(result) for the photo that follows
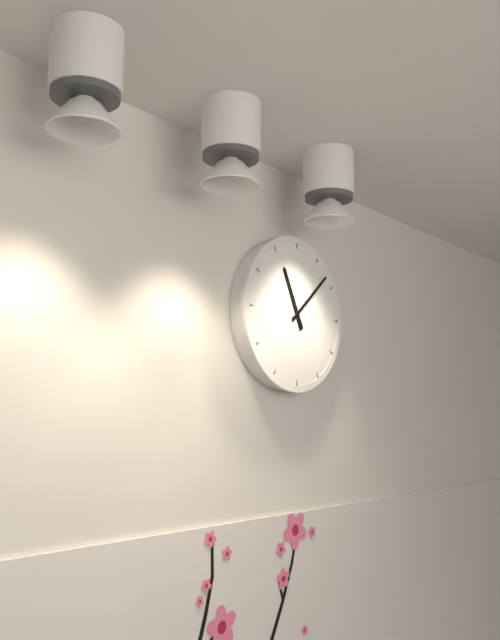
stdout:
{"hour": 11, "minute": 8}
